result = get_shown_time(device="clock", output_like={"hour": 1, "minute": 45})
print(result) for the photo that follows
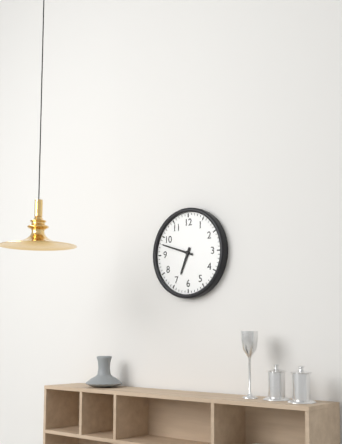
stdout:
{"hour": 6, "minute": 48}
